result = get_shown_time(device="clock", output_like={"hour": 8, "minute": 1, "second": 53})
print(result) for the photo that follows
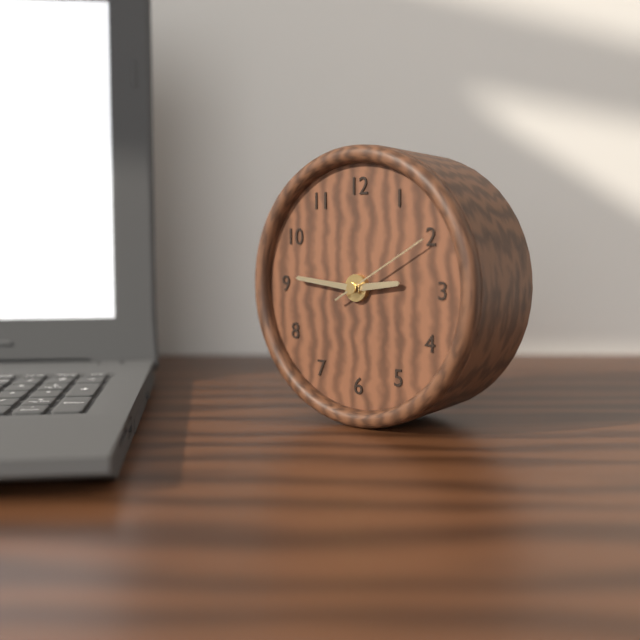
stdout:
{"hour": 2, "minute": 46, "second": 10}
